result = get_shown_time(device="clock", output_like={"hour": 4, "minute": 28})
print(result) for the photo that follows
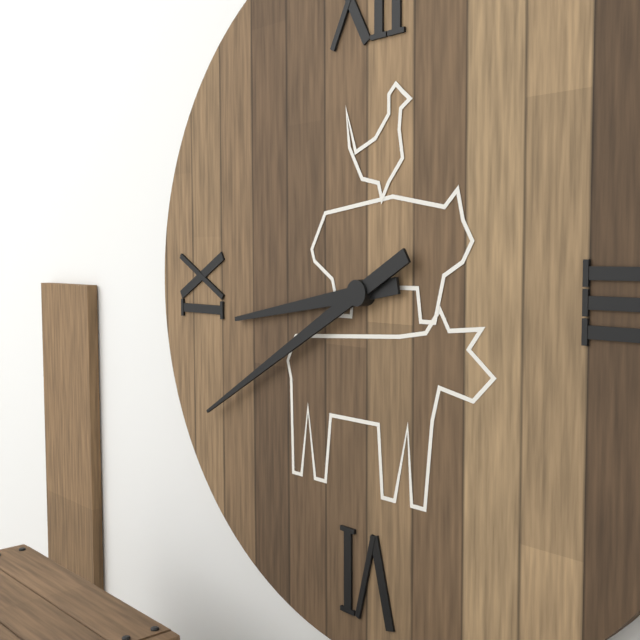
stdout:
{"hour": 8, "minute": 40}
